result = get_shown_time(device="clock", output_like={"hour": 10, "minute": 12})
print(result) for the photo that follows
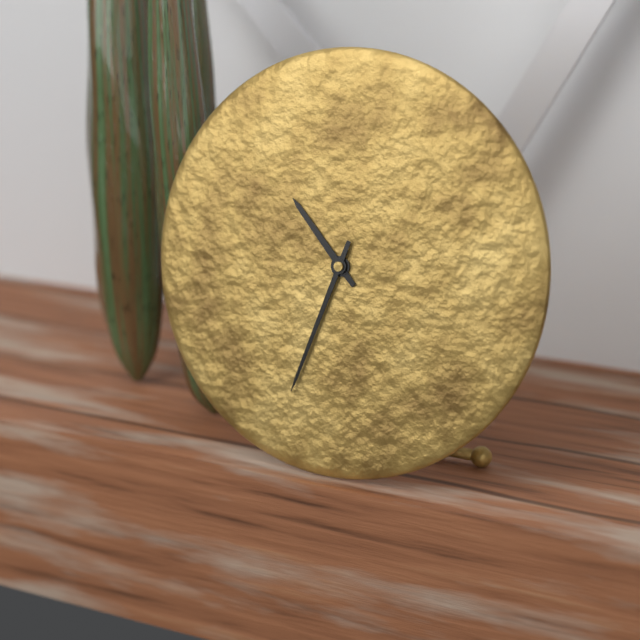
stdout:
{"hour": 10, "minute": 33}
